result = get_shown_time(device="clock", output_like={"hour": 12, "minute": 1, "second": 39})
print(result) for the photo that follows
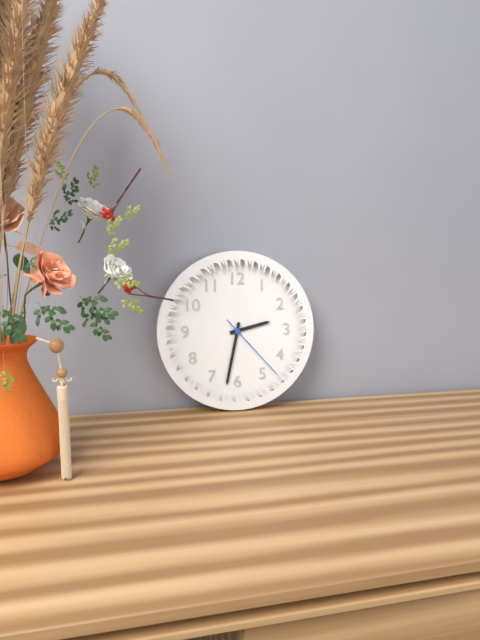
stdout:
{"hour": 2, "minute": 32, "second": 23}
